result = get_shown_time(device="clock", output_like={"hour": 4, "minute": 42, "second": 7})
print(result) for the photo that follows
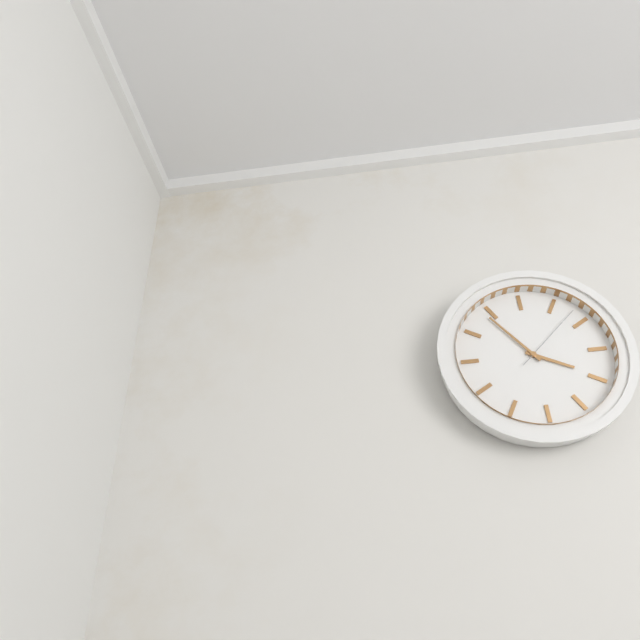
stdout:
{"hour": 3, "minute": 54, "second": 8}
